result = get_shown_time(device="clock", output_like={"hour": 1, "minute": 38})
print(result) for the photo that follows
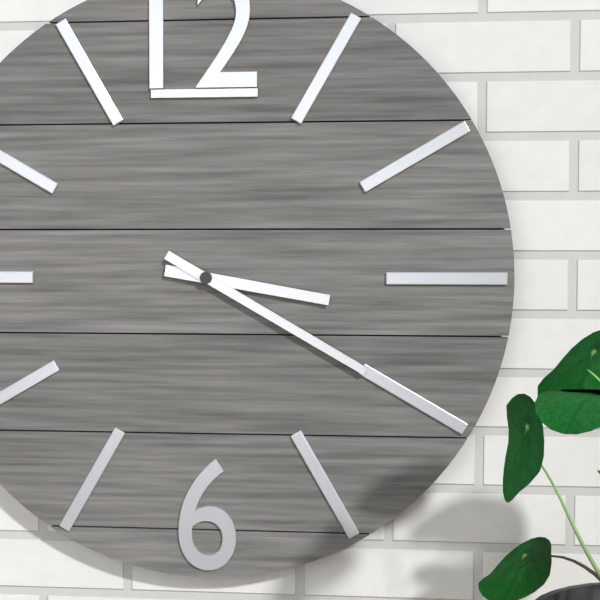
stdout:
{"hour": 3, "minute": 20}
